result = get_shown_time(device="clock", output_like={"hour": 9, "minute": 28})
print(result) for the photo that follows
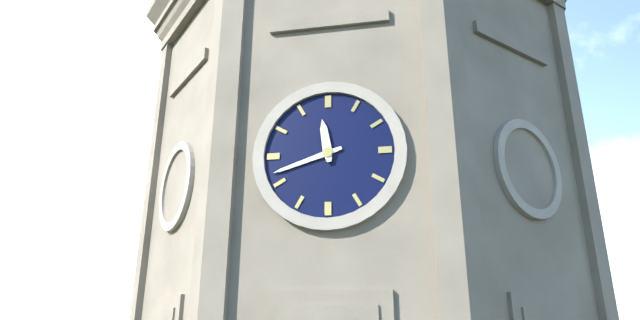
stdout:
{"hour": 11, "minute": 42}
